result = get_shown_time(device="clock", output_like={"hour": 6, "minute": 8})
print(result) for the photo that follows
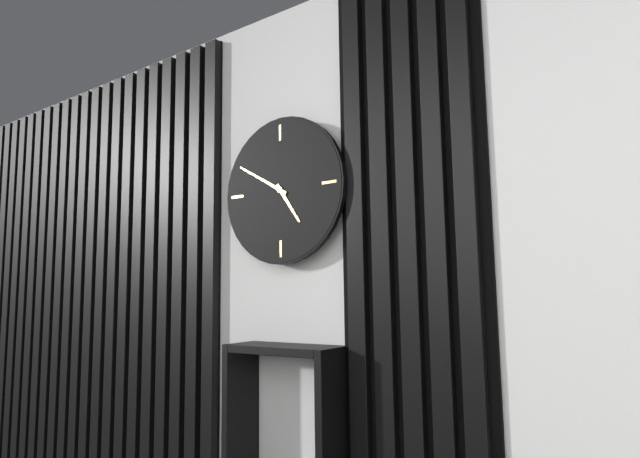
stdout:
{"hour": 4, "minute": 50}
